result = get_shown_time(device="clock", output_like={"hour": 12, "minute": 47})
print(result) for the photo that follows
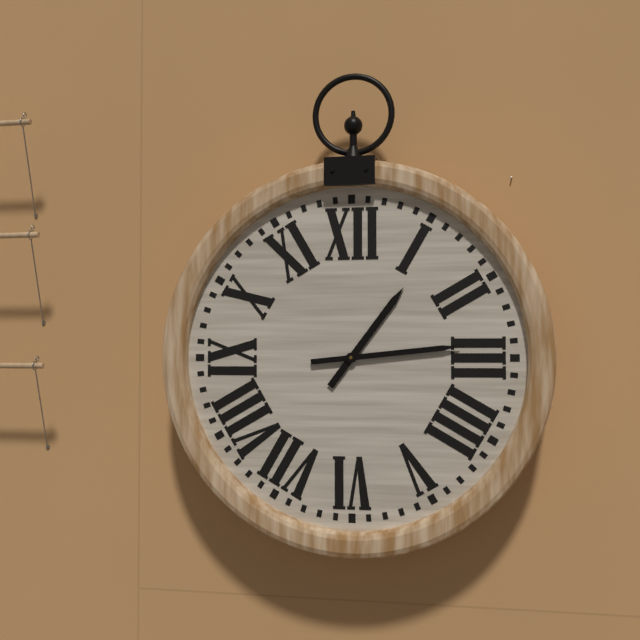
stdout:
{"hour": 1, "minute": 14}
